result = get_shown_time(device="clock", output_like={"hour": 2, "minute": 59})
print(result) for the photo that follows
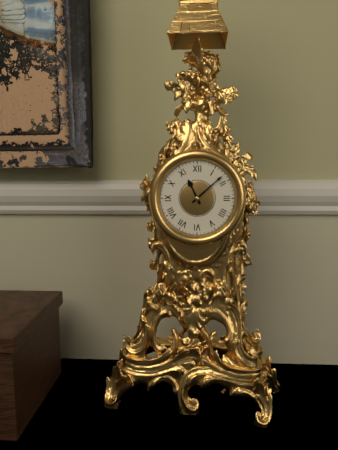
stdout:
{"hour": 11, "minute": 8}
